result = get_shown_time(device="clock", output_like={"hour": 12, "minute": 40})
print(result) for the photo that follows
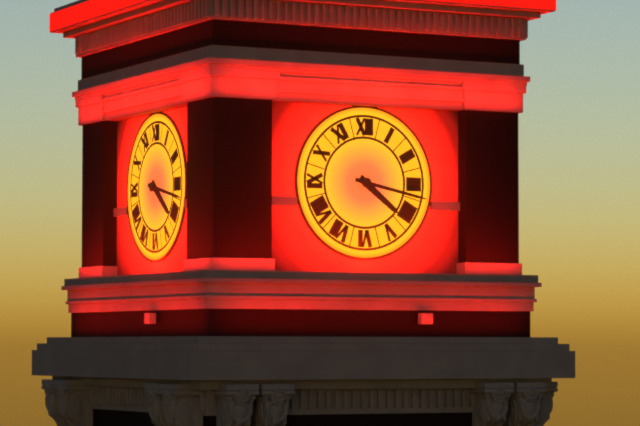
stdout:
{"hour": 4, "minute": 17}
